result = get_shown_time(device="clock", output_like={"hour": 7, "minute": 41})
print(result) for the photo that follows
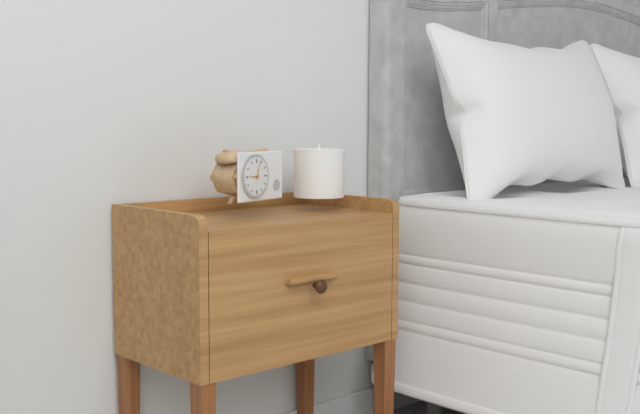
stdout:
{"hour": 9, "minute": 3}
